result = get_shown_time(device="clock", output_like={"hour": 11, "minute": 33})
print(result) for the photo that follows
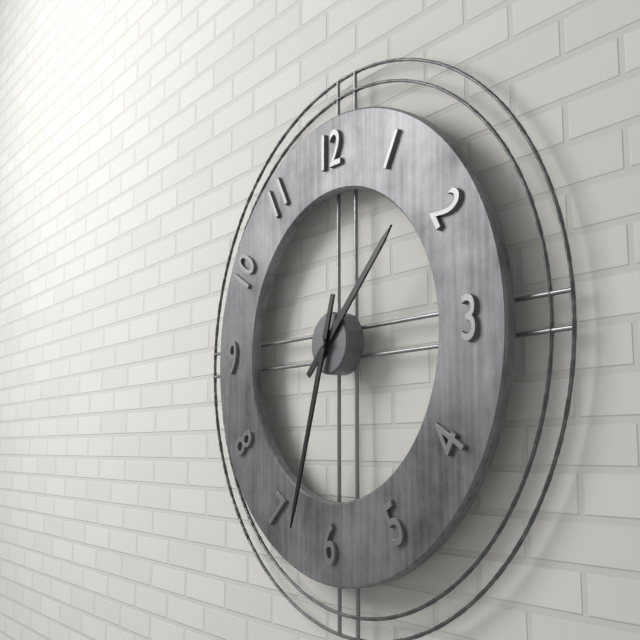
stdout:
{"hour": 1, "minute": 33}
